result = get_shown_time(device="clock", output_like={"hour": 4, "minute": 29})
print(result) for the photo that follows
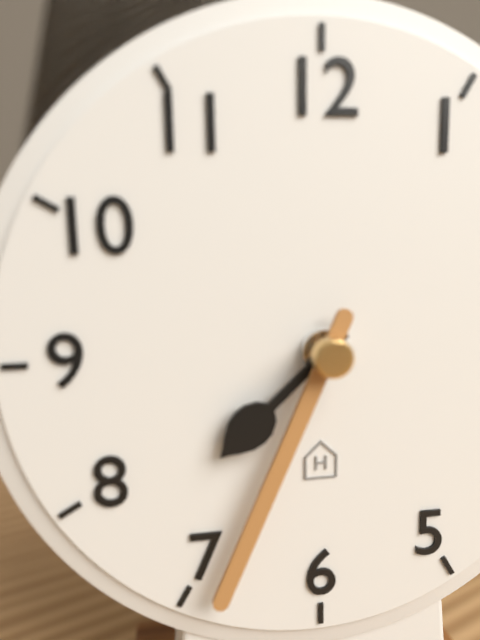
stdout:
{"hour": 7, "minute": 34}
